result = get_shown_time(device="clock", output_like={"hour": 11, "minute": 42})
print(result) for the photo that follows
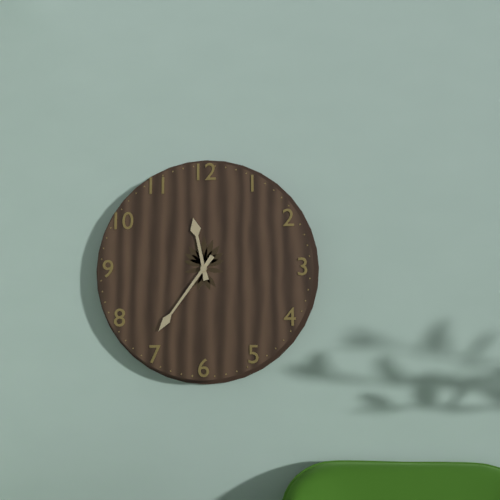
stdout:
{"hour": 11, "minute": 36}
